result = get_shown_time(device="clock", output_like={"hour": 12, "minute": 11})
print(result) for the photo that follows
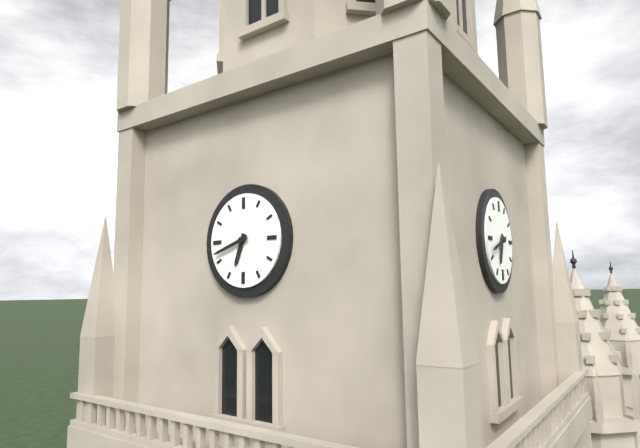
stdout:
{"hour": 6, "minute": 42}
